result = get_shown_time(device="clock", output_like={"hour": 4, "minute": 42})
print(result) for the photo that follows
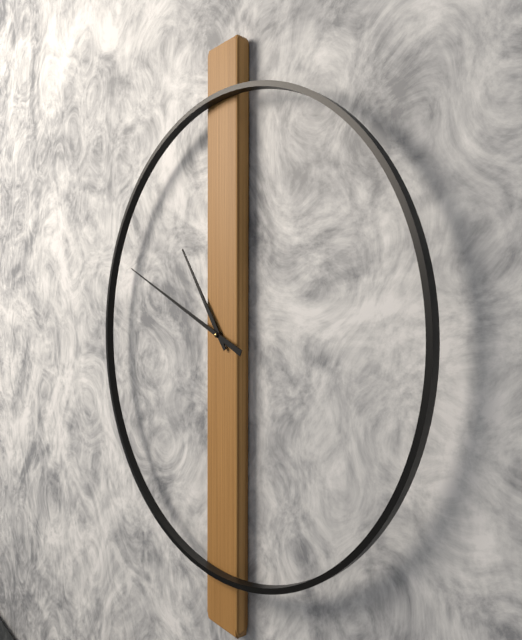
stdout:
{"hour": 10, "minute": 49}
